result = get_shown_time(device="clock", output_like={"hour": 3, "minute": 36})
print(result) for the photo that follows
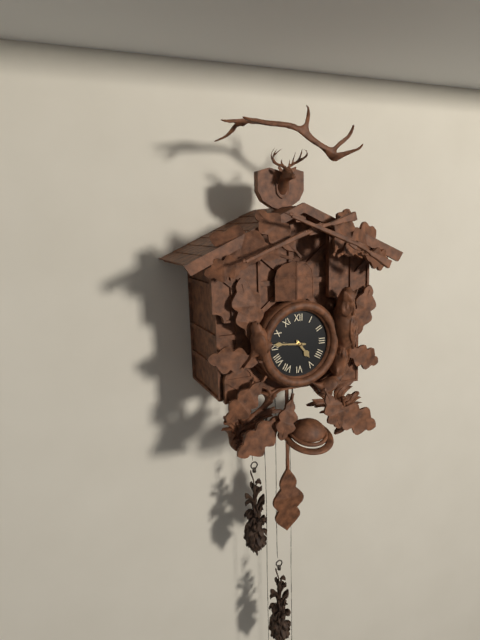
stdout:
{"hour": 4, "minute": 46}
